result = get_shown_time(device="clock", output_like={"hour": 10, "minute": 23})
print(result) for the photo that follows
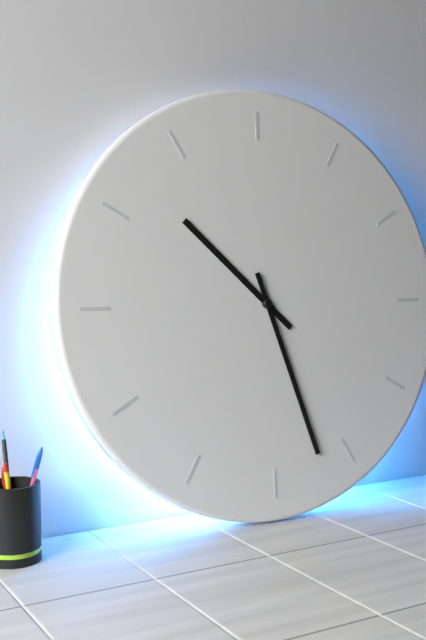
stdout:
{"hour": 10, "minute": 27}
